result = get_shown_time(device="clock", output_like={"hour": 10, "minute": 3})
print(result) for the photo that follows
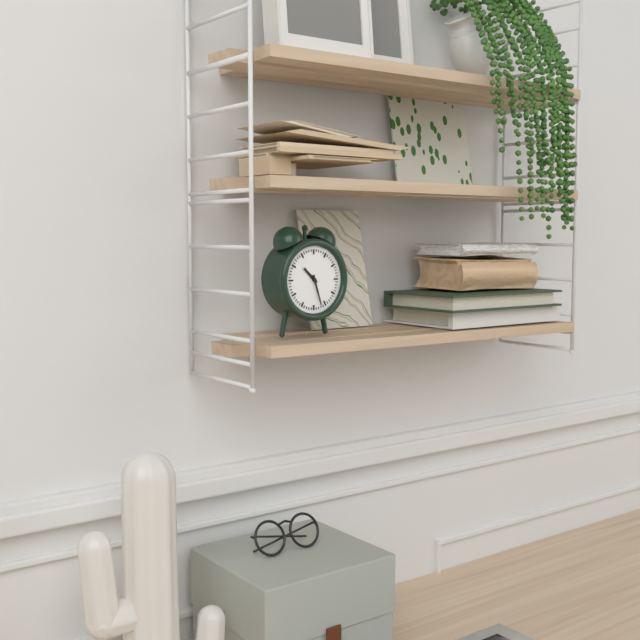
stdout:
{"hour": 10, "minute": 27}
